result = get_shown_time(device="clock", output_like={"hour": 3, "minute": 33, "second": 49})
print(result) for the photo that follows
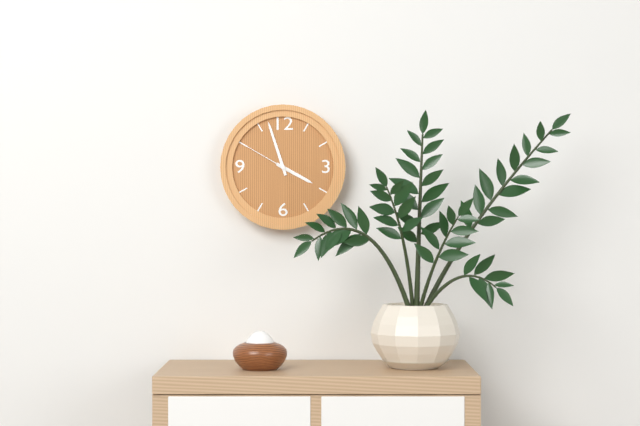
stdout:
{"hour": 3, "minute": 57, "second": 50}
